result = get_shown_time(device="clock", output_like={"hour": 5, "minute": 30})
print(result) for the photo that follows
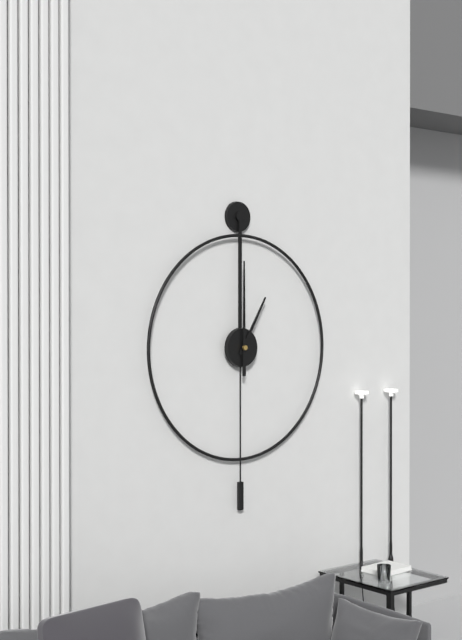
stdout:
{"hour": 1, "minute": 0}
